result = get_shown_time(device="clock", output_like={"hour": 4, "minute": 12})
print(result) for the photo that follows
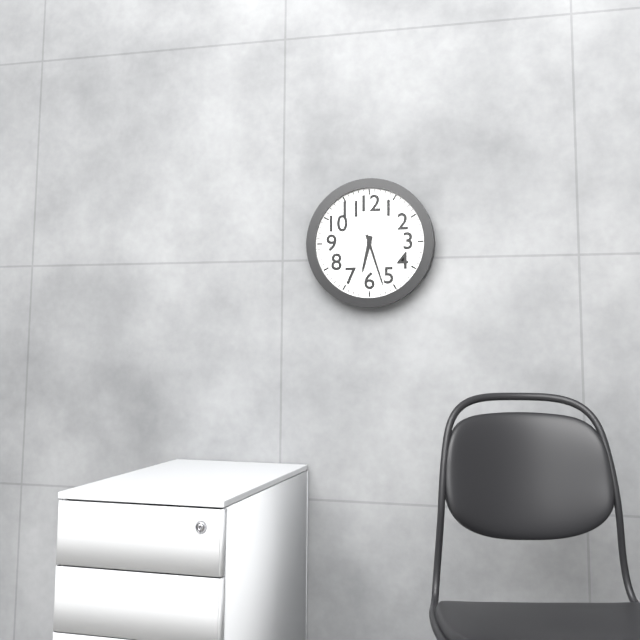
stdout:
{"hour": 6, "minute": 27}
